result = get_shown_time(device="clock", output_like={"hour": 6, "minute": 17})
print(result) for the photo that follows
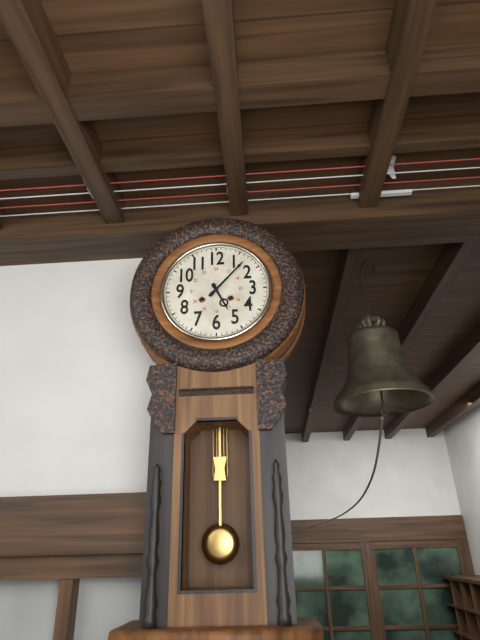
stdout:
{"hour": 5, "minute": 7}
